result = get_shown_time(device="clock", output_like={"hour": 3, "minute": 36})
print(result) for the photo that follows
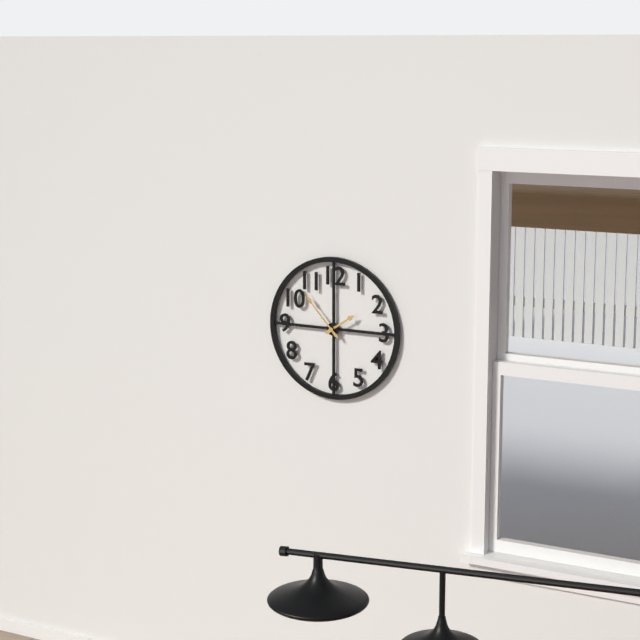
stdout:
{"hour": 1, "minute": 53}
